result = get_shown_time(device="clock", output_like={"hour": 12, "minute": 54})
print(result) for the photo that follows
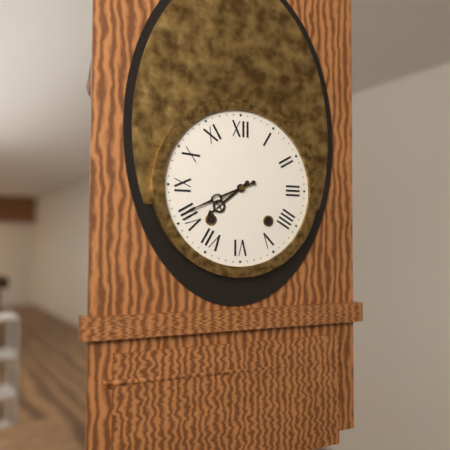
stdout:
{"hour": 7, "minute": 41}
